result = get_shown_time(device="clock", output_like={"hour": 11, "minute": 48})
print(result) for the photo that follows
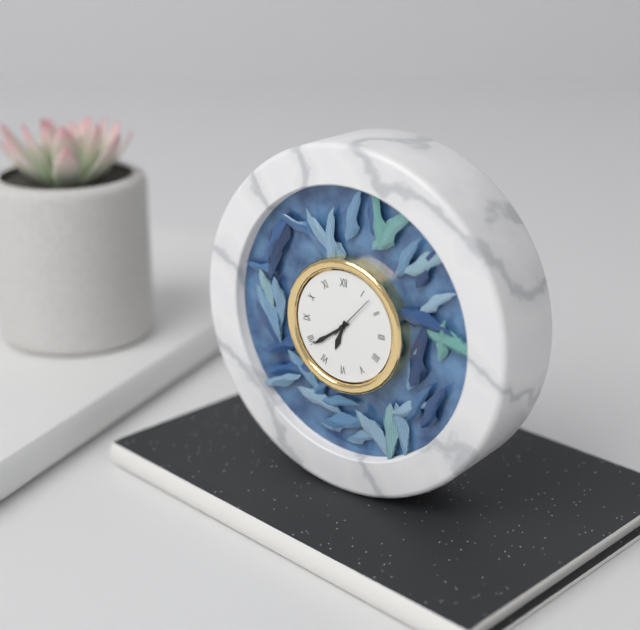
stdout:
{"hour": 6, "minute": 39}
